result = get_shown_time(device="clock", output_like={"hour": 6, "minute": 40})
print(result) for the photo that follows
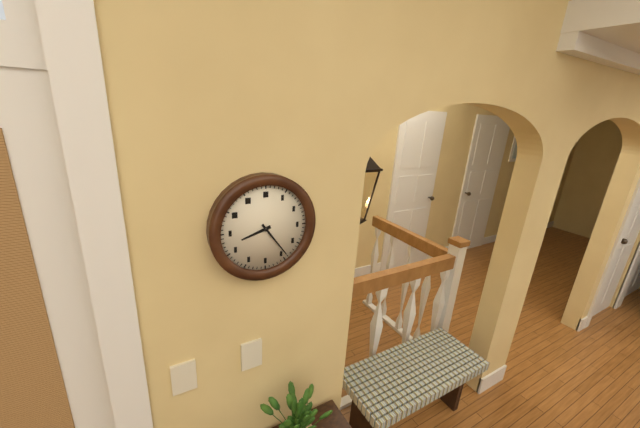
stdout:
{"hour": 8, "minute": 24}
